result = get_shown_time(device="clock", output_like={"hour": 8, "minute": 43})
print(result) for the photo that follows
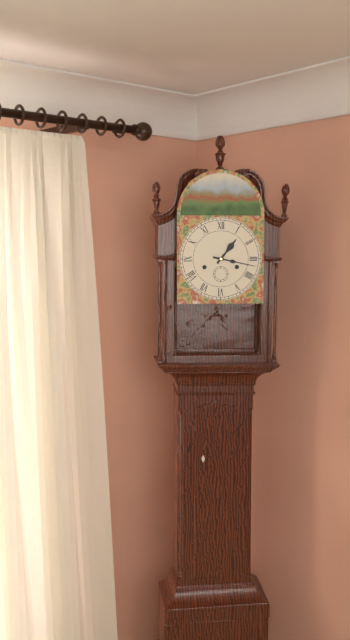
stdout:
{"hour": 1, "minute": 17}
